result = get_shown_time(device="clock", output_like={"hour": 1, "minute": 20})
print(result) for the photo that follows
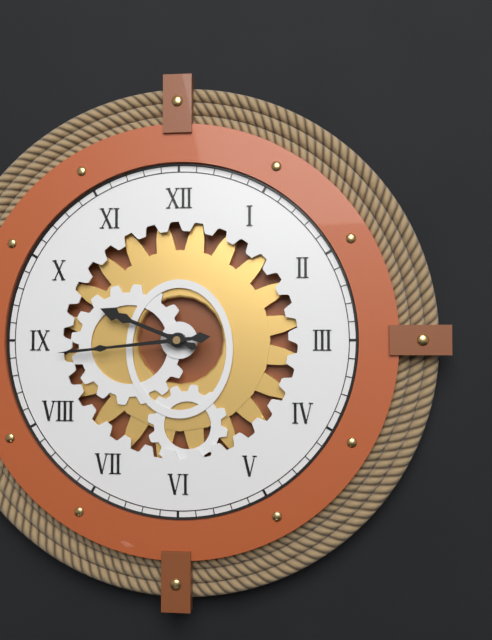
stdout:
{"hour": 9, "minute": 44}
